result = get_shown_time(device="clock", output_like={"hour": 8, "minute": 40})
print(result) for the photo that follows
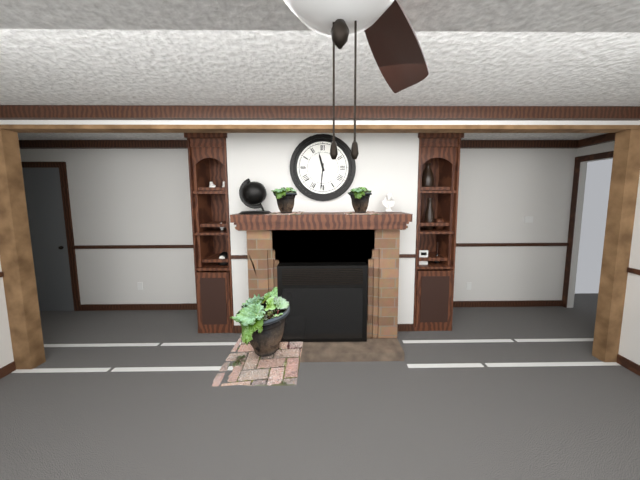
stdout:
{"hour": 11, "minute": 31}
